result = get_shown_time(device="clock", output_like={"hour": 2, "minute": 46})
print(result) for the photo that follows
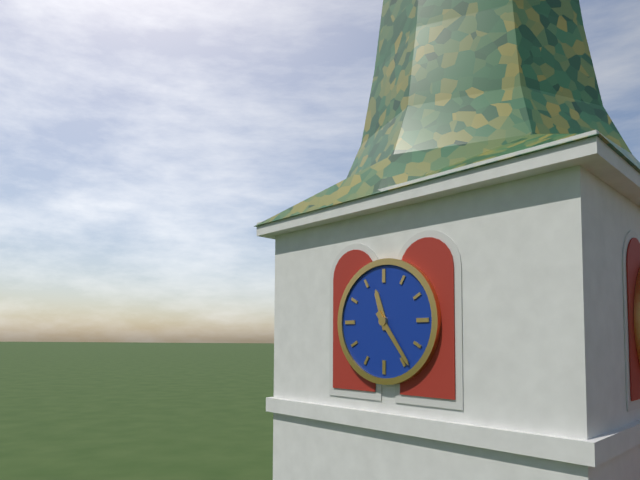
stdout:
{"hour": 11, "minute": 24}
